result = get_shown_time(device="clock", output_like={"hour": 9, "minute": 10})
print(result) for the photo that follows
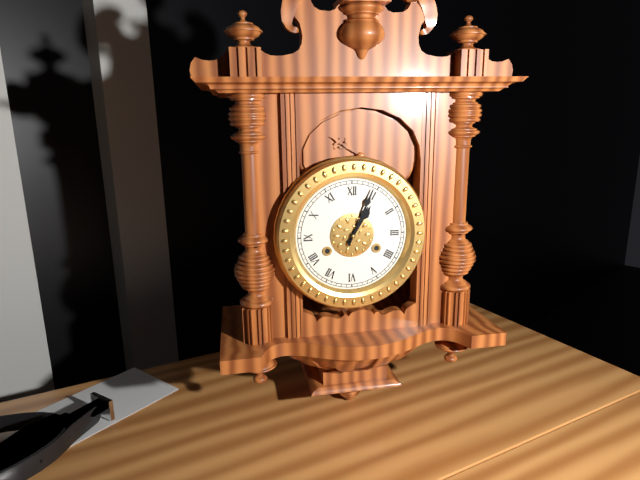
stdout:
{"hour": 1, "minute": 4}
